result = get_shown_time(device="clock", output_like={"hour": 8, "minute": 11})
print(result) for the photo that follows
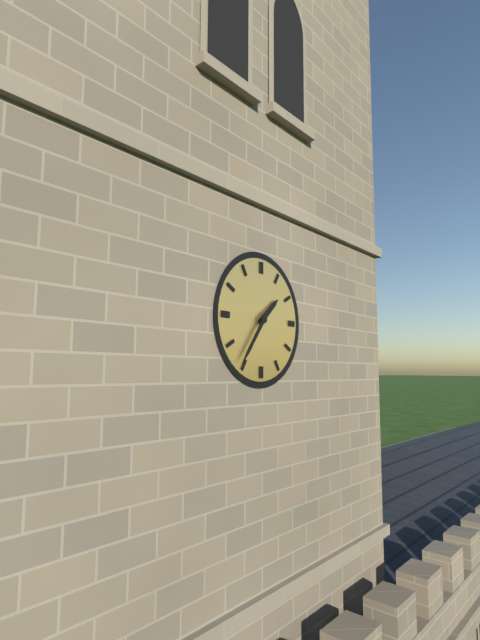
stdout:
{"hour": 1, "minute": 36}
